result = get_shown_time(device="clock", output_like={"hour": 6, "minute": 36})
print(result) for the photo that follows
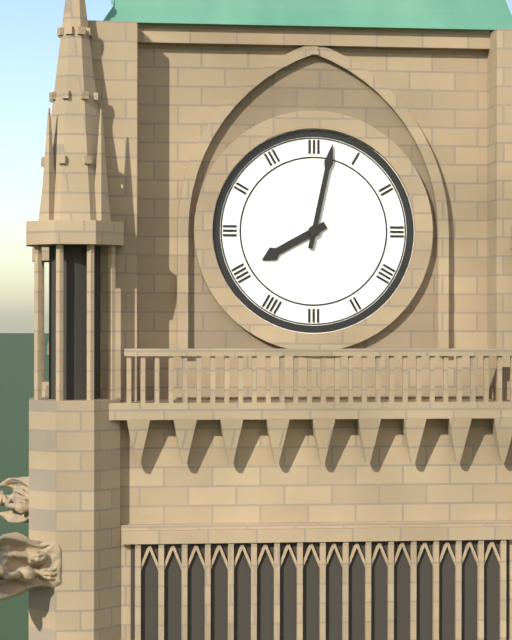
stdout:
{"hour": 8, "minute": 2}
